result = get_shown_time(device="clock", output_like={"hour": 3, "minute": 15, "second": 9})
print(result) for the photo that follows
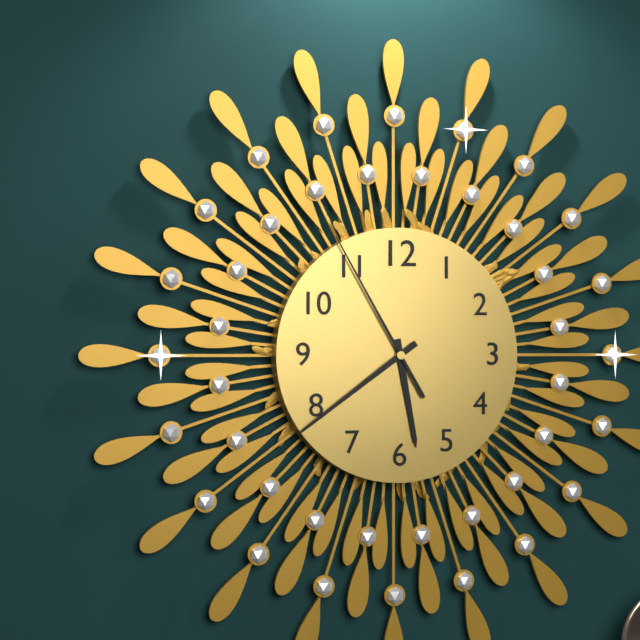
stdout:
{"hour": 5, "minute": 39, "second": 55}
